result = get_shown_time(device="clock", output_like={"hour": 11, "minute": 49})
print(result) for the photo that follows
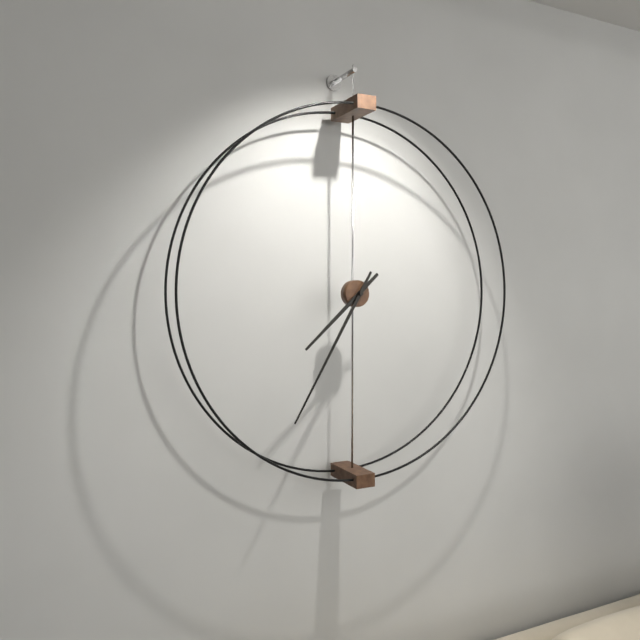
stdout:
{"hour": 7, "minute": 35}
